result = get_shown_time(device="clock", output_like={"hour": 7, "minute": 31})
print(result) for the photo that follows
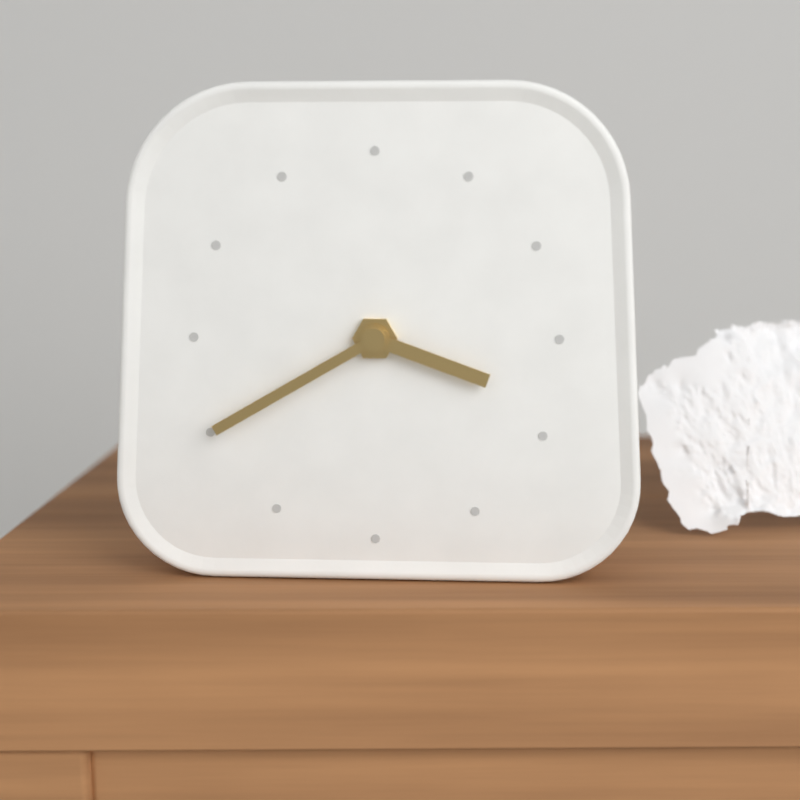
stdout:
{"hour": 3, "minute": 40}
